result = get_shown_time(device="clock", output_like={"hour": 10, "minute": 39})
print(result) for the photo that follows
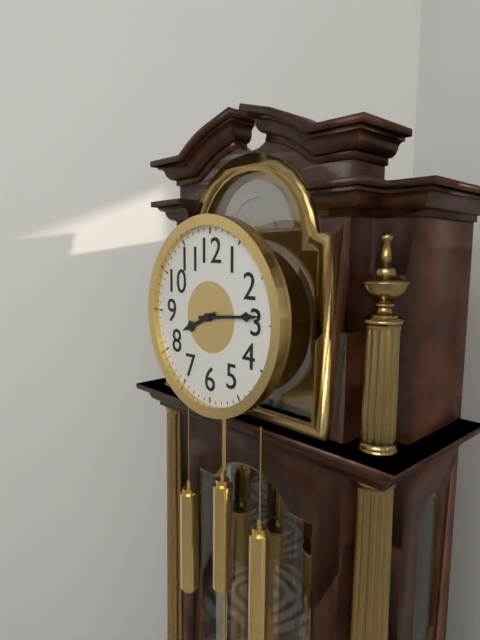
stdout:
{"hour": 8, "minute": 14}
